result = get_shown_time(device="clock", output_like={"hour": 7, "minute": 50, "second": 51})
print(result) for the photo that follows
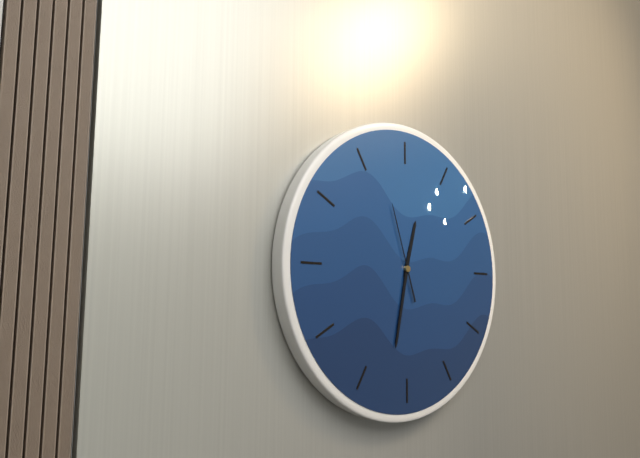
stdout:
{"hour": 12, "minute": 32, "second": 57}
